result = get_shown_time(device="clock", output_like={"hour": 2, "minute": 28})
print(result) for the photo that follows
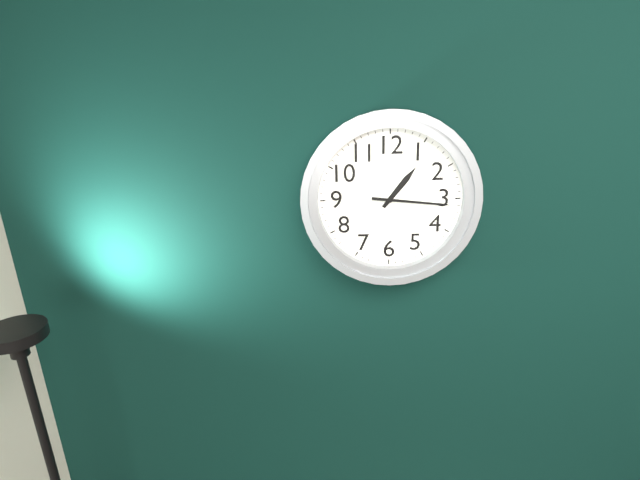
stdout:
{"hour": 1, "minute": 16}
